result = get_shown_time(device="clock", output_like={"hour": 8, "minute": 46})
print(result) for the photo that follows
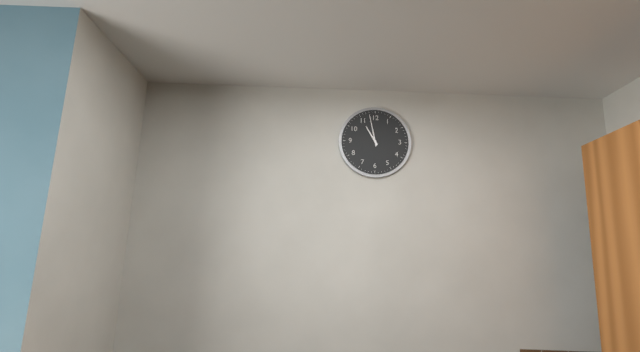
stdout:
{"hour": 10, "minute": 58}
